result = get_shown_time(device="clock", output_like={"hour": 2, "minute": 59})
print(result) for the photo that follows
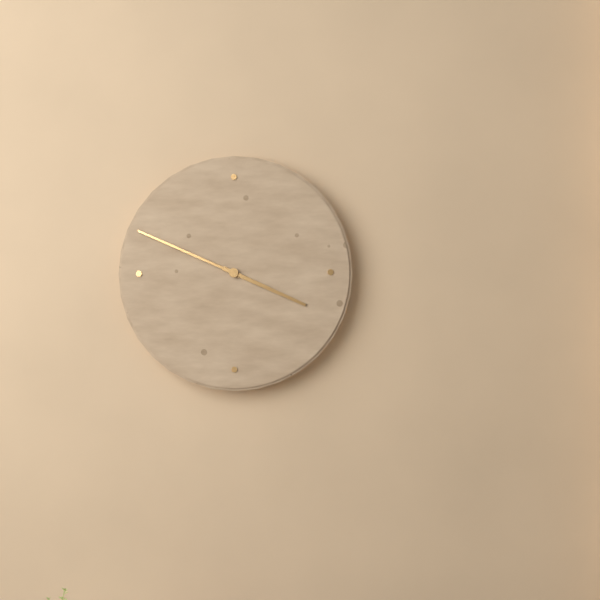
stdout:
{"hour": 3, "minute": 49}
